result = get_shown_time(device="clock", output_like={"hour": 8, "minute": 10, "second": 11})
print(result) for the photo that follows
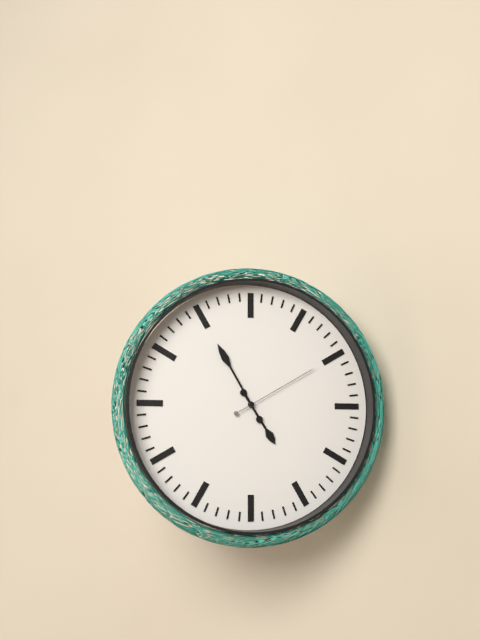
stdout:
{"hour": 4, "minute": 55, "second": 10}
